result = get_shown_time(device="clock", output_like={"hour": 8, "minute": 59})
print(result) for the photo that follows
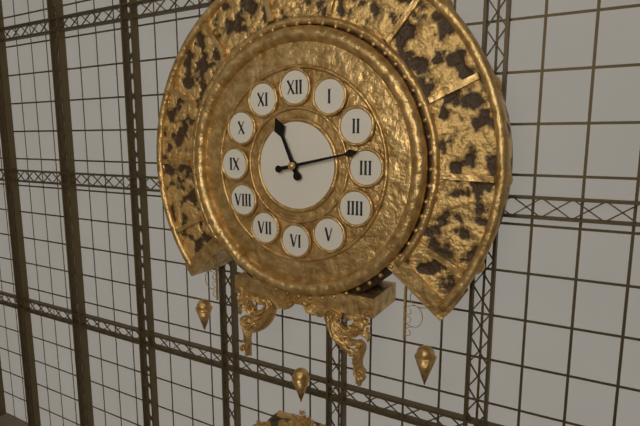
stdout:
{"hour": 11, "minute": 13}
